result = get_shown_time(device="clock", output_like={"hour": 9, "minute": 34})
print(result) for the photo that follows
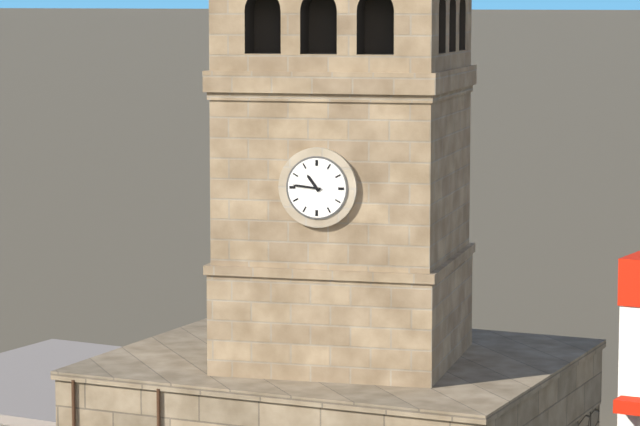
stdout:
{"hour": 10, "minute": 46}
